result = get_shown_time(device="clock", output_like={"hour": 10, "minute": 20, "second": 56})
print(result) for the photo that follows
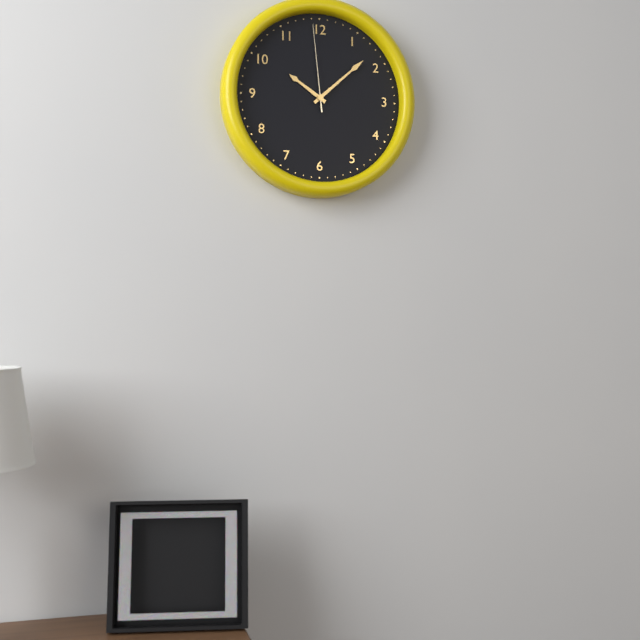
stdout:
{"hour": 10, "minute": 8, "second": 59}
